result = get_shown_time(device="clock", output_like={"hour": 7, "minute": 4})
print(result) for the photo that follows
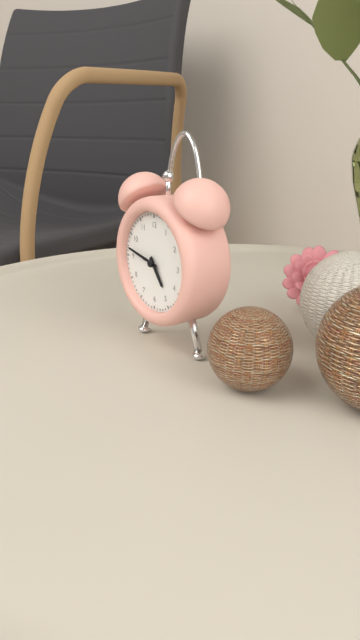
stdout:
{"hour": 4, "minute": 47}
